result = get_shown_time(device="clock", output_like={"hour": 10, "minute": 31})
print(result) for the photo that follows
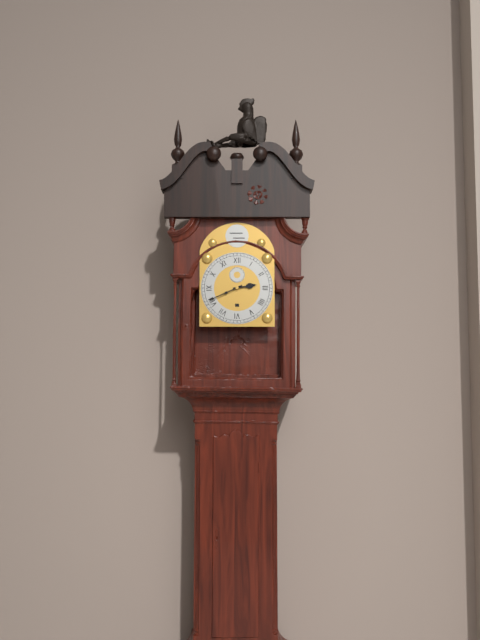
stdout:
{"hour": 2, "minute": 41}
